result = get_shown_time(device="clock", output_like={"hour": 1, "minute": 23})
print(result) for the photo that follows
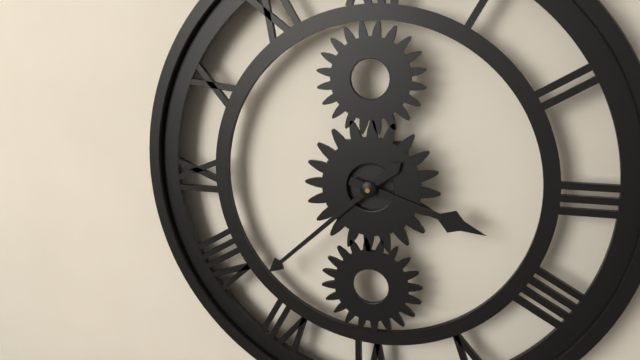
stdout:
{"hour": 3, "minute": 38}
